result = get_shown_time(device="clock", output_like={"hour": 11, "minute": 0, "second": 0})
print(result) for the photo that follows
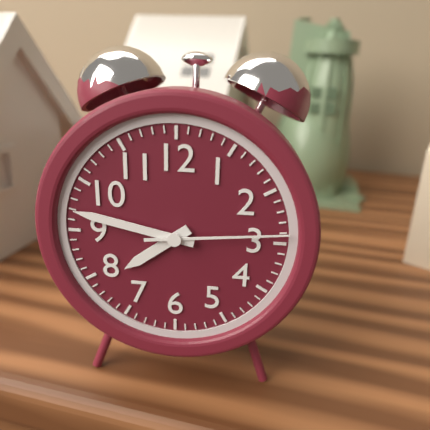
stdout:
{"hour": 7, "minute": 47, "second": 14}
